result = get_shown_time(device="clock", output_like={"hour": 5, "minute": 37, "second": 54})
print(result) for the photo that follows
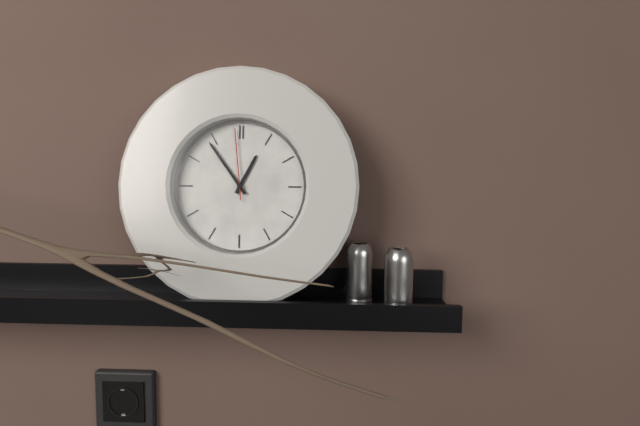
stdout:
{"hour": 12, "minute": 54, "second": 59}
